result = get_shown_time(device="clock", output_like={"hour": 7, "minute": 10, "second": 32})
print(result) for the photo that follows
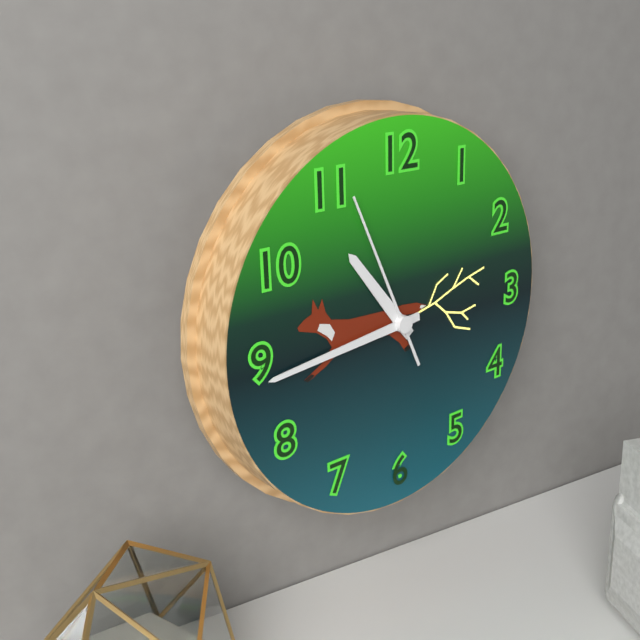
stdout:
{"hour": 10, "minute": 44, "second": 56}
